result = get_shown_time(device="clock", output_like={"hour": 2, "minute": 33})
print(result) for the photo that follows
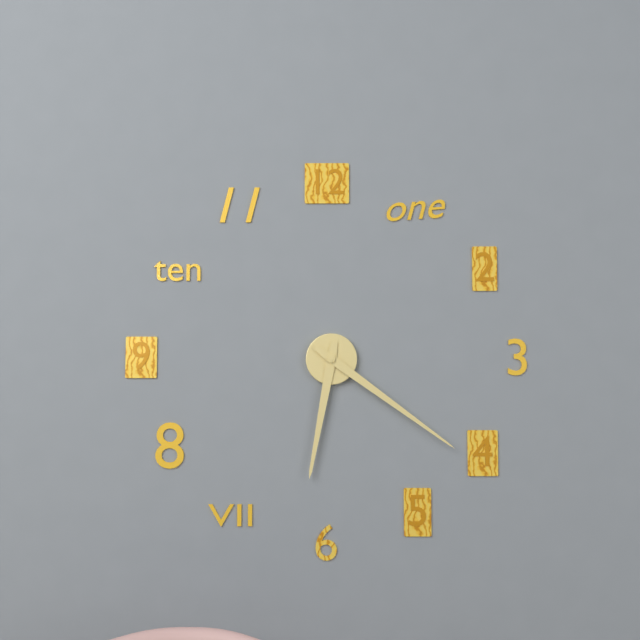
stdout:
{"hour": 6, "minute": 21}
